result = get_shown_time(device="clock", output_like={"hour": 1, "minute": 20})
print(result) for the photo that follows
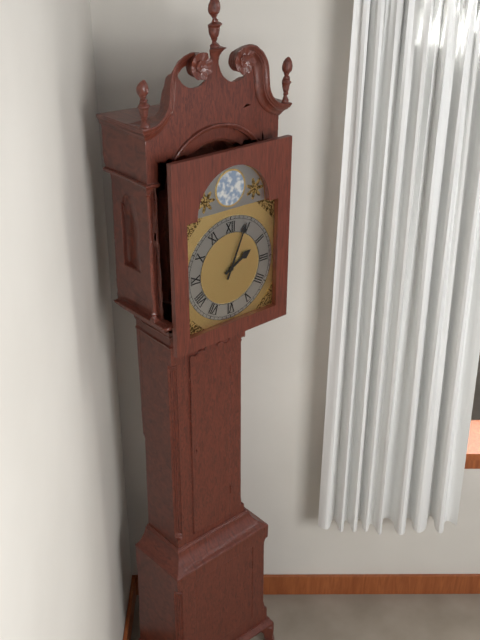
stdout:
{"hour": 2, "minute": 4}
